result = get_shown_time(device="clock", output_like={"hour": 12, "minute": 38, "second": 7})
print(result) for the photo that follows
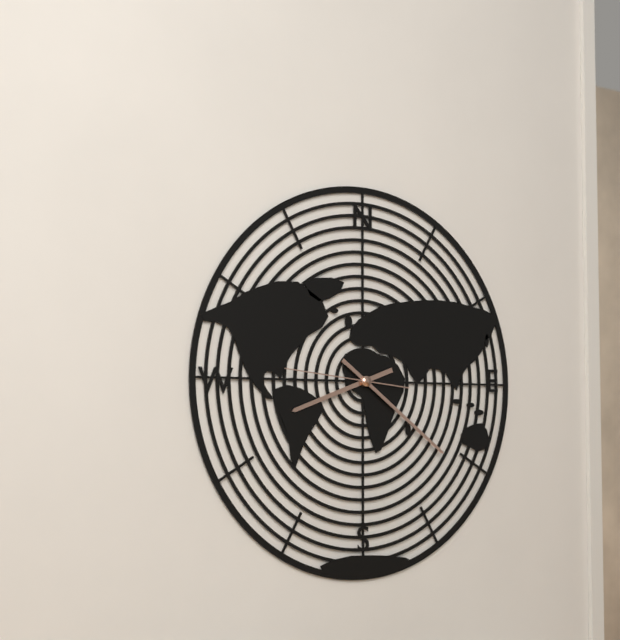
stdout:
{"hour": 8, "minute": 21, "second": 46}
